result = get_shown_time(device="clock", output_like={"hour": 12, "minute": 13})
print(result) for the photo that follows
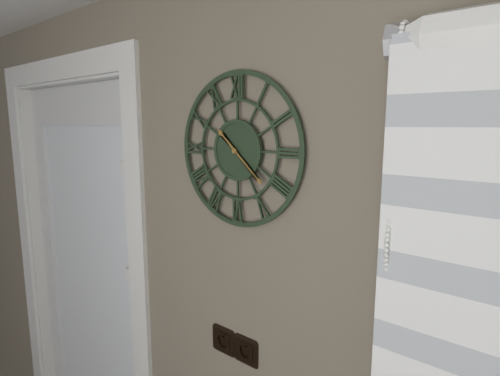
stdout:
{"hour": 10, "minute": 22}
